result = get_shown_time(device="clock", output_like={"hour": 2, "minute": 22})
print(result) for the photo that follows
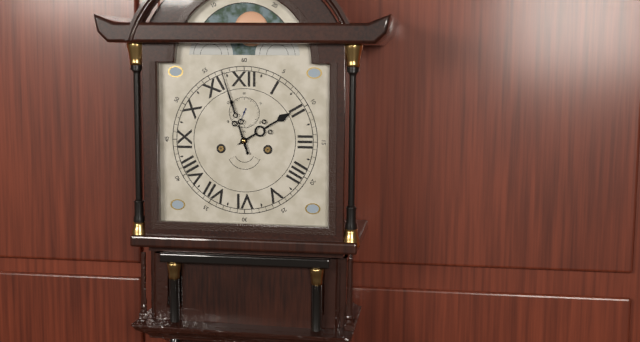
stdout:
{"hour": 1, "minute": 57}
